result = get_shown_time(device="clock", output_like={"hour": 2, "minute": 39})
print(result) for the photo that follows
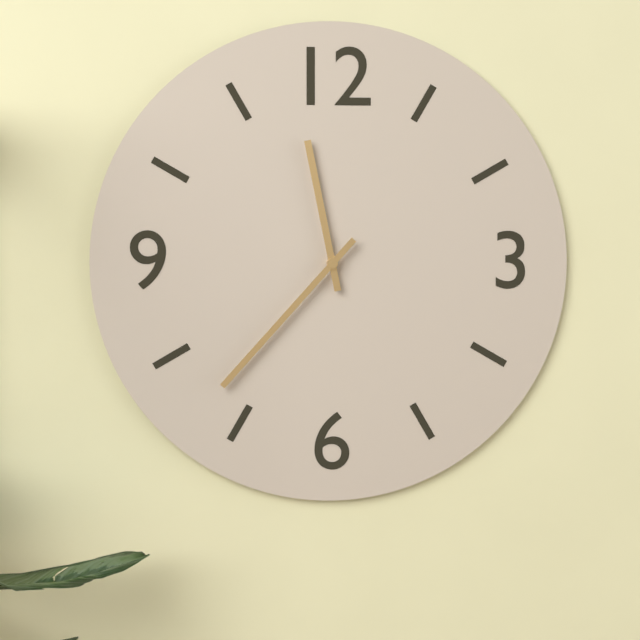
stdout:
{"hour": 11, "minute": 37}
